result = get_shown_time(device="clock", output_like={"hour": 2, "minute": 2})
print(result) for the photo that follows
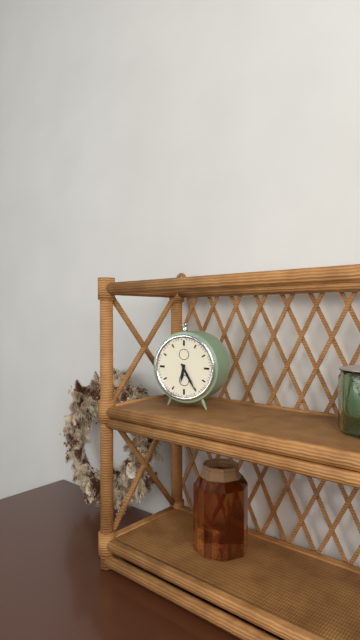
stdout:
{"hour": 6, "minute": 25}
